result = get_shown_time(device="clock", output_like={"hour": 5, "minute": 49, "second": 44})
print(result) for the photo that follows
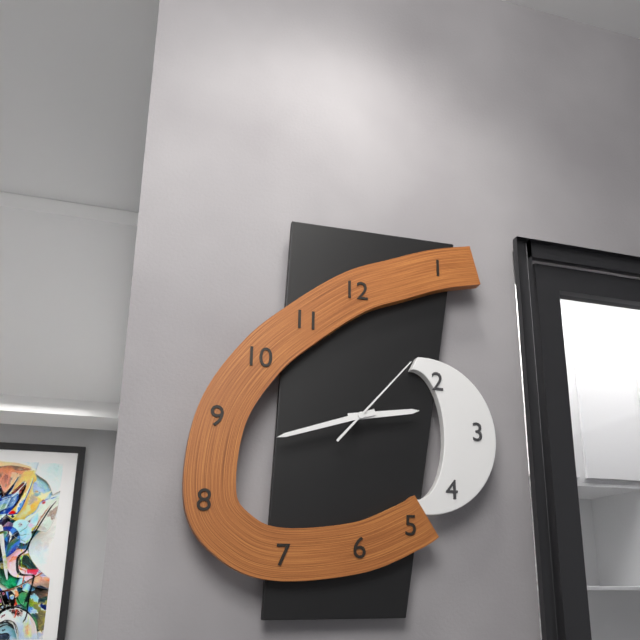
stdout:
{"hour": 2, "minute": 42, "second": 7}
